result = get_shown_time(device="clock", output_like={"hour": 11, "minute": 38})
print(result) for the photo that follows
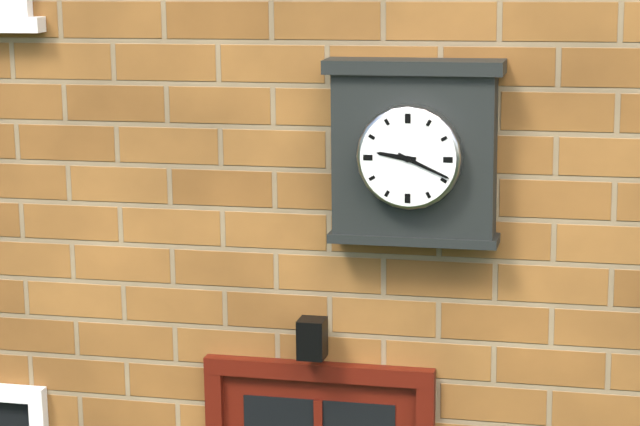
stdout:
{"hour": 9, "minute": 19}
